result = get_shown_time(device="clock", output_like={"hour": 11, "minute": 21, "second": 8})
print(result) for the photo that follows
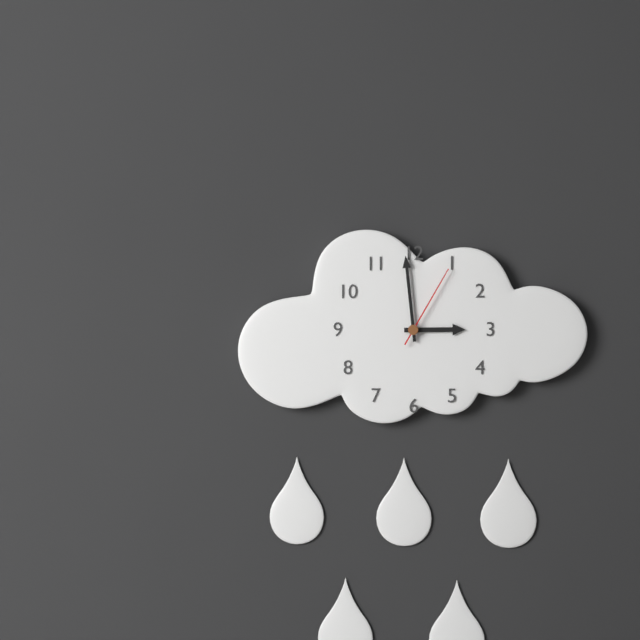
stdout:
{"hour": 2, "minute": 59, "second": 5}
